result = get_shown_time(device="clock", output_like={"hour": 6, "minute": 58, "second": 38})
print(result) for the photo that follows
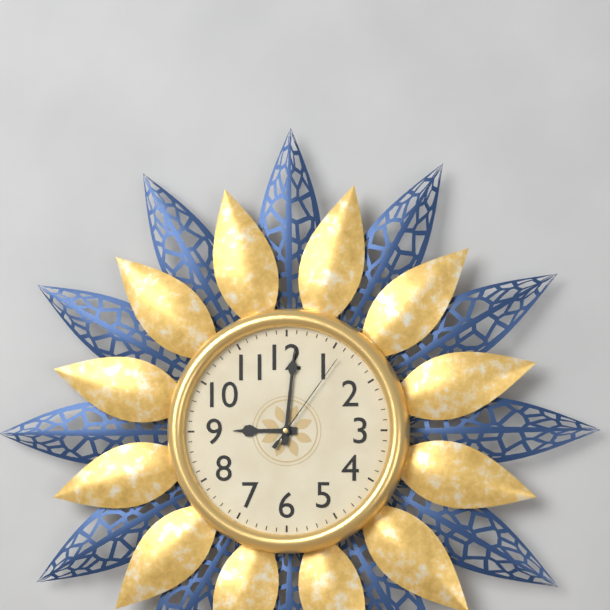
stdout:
{"hour": 9, "minute": 1, "second": 6}
